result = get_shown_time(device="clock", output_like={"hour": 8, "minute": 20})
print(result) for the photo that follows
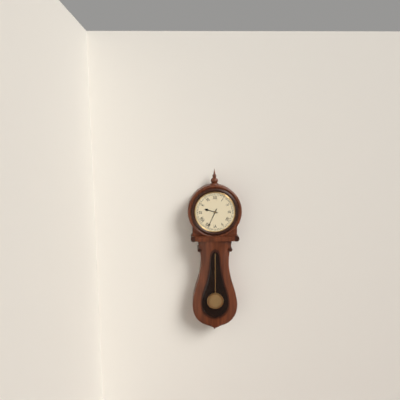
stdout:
{"hour": 9, "minute": 34}
